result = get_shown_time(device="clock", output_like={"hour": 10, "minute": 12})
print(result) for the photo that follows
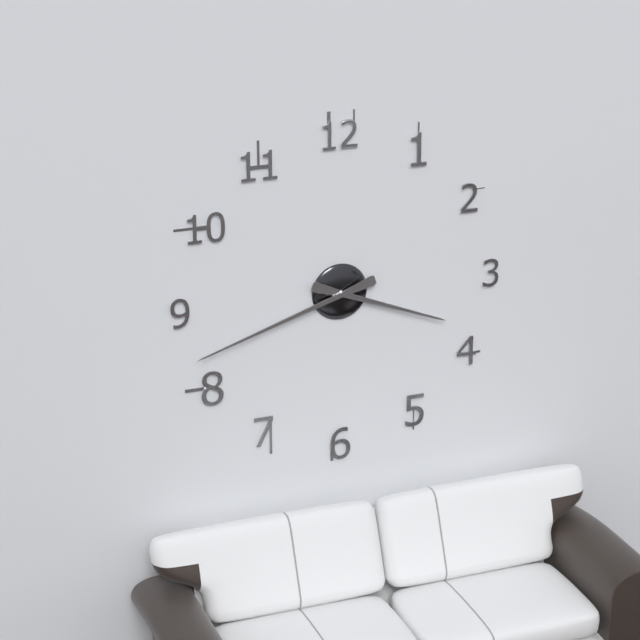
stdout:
{"hour": 3, "minute": 42}
